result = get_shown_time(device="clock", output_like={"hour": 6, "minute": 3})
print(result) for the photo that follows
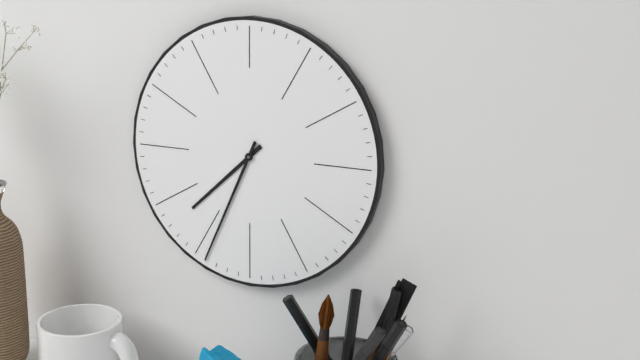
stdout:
{"hour": 7, "minute": 34}
